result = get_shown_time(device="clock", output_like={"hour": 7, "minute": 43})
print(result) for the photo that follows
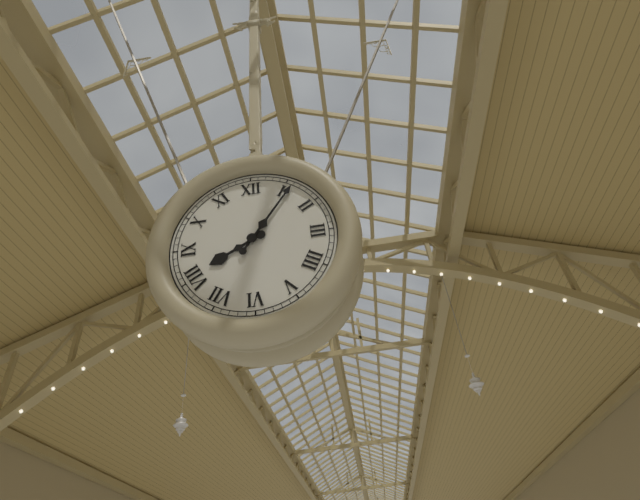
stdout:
{"hour": 8, "minute": 6}
